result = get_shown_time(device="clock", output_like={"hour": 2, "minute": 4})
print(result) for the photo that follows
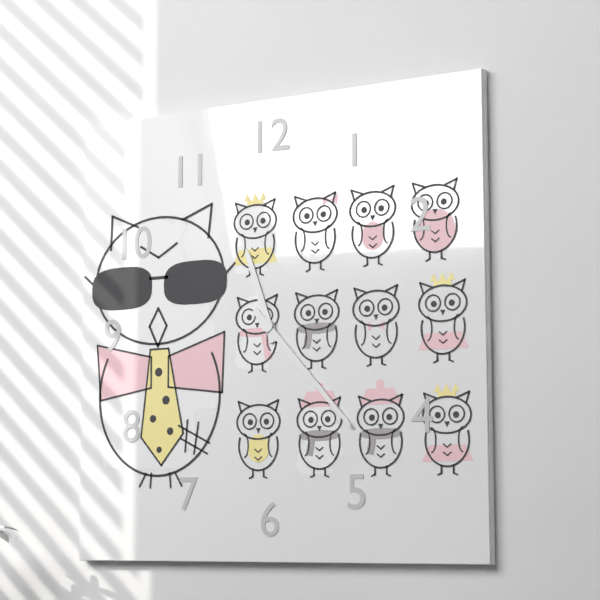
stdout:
{"hour": 11, "minute": 23}
